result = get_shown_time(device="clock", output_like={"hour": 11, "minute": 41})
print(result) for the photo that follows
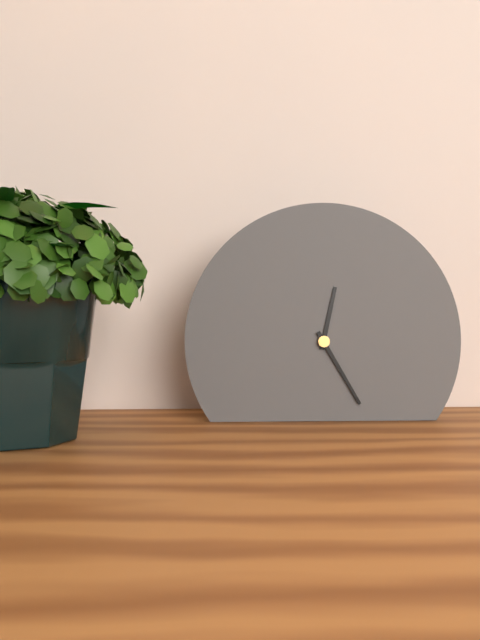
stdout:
{"hour": 12, "minute": 25}
